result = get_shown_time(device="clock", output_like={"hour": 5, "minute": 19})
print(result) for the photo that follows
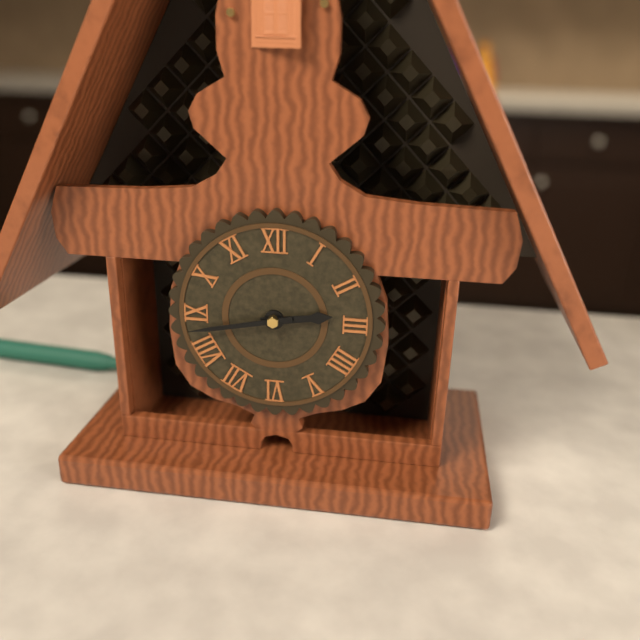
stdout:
{"hour": 2, "minute": 43}
